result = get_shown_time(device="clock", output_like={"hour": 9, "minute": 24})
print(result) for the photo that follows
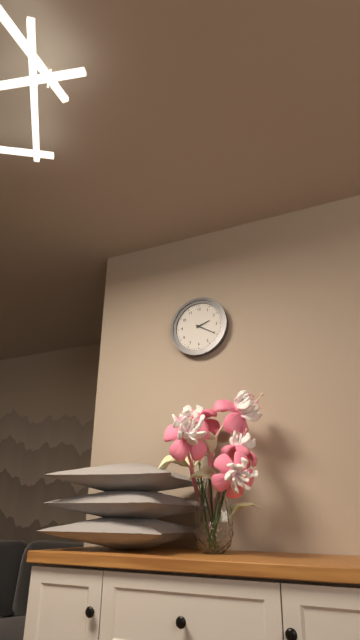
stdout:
{"hour": 2, "minute": 20}
